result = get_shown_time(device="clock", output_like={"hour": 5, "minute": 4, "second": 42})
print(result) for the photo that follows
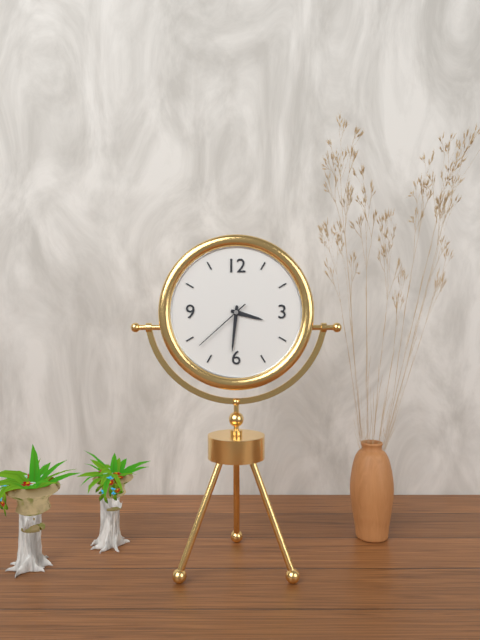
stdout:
{"hour": 3, "minute": 31, "second": 38}
